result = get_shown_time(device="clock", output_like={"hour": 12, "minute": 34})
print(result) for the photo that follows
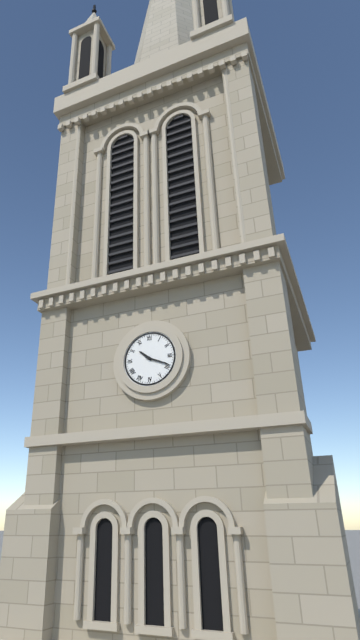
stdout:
{"hour": 10, "minute": 19}
